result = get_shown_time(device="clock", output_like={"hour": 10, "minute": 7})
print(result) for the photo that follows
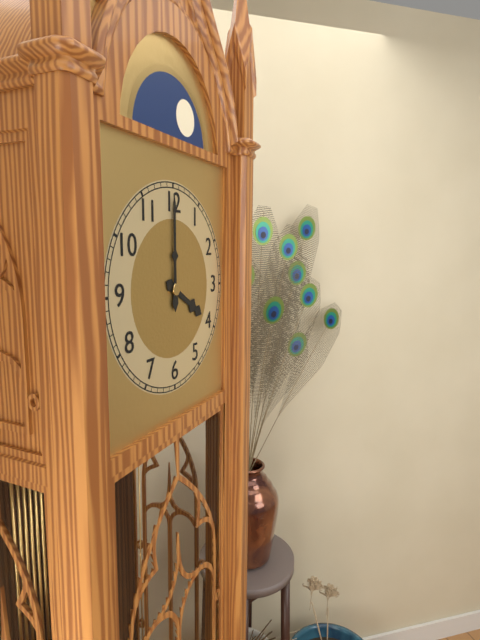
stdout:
{"hour": 4, "minute": 0}
